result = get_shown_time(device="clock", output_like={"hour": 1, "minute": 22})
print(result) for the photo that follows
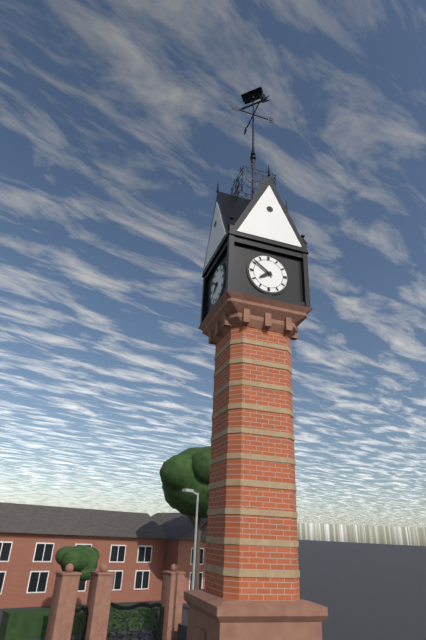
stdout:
{"hour": 7, "minute": 51}
